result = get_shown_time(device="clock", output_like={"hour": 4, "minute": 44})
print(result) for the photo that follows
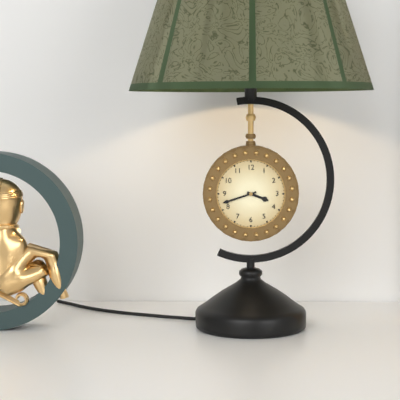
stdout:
{"hour": 3, "minute": 42}
